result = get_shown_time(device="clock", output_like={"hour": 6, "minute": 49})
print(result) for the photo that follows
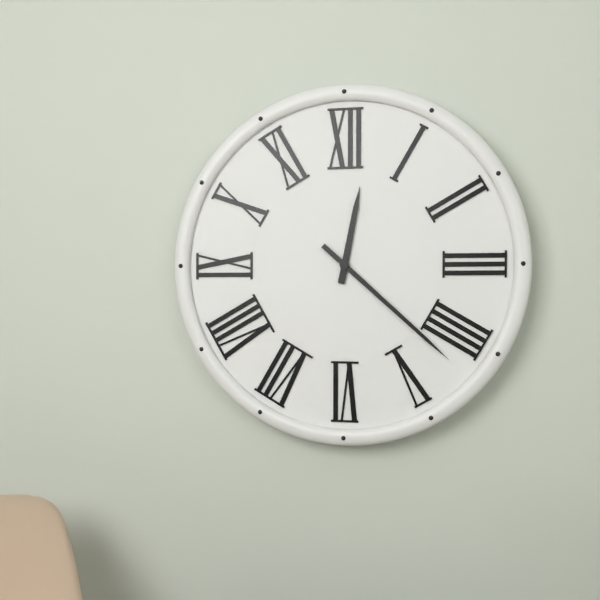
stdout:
{"hour": 12, "minute": 22}
